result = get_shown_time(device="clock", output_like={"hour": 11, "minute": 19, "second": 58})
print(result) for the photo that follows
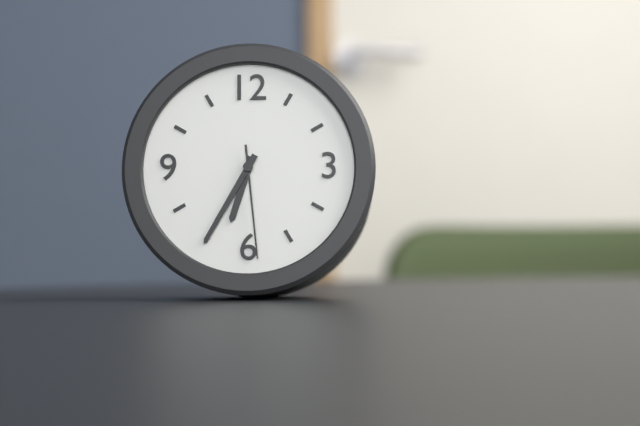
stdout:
{"hour": 6, "minute": 35, "second": 29}
